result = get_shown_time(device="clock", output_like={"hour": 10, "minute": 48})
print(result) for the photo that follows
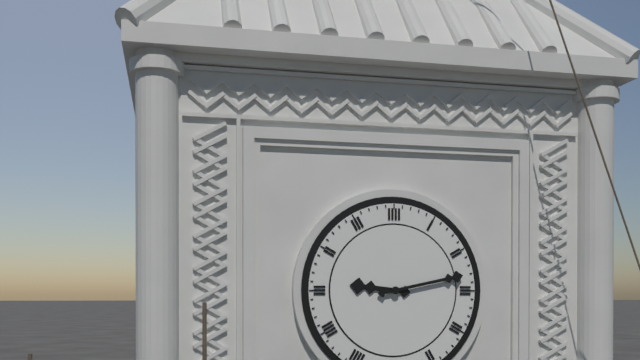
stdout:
{"hour": 9, "minute": 13}
